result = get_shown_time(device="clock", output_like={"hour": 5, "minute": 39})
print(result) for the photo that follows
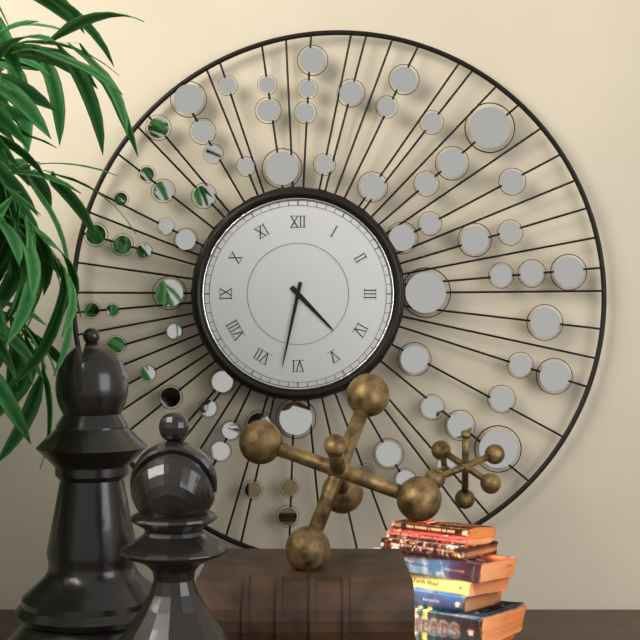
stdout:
{"hour": 4, "minute": 32}
